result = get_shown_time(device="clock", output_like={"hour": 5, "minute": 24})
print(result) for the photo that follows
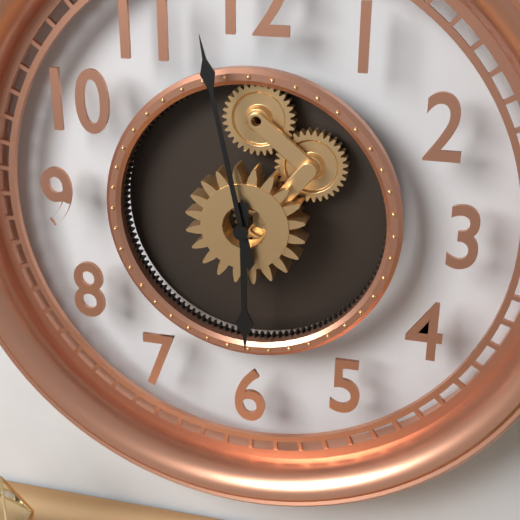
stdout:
{"hour": 5, "minute": 58}
